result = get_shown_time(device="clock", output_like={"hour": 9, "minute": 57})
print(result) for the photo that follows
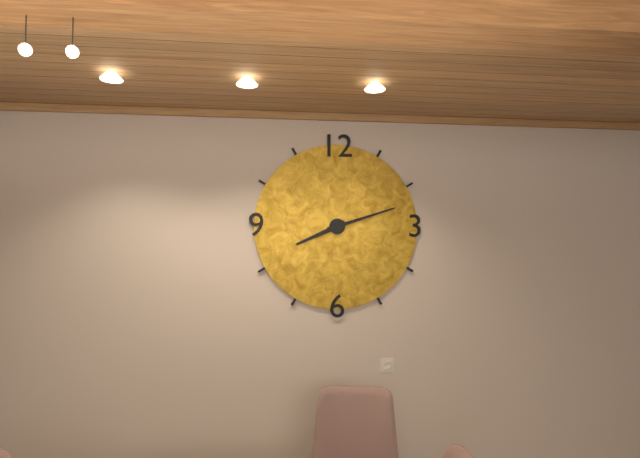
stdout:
{"hour": 8, "minute": 12}
